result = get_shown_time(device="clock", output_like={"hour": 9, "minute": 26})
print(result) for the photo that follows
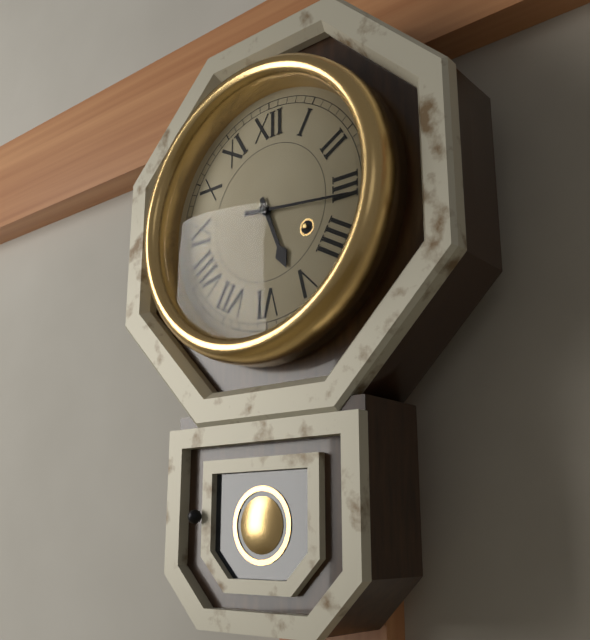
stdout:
{"hour": 5, "minute": 16}
